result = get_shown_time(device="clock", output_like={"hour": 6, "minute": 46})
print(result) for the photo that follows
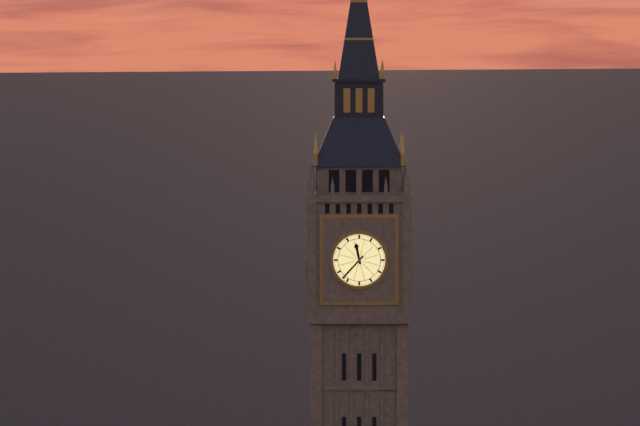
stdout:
{"hour": 11, "minute": 37}
